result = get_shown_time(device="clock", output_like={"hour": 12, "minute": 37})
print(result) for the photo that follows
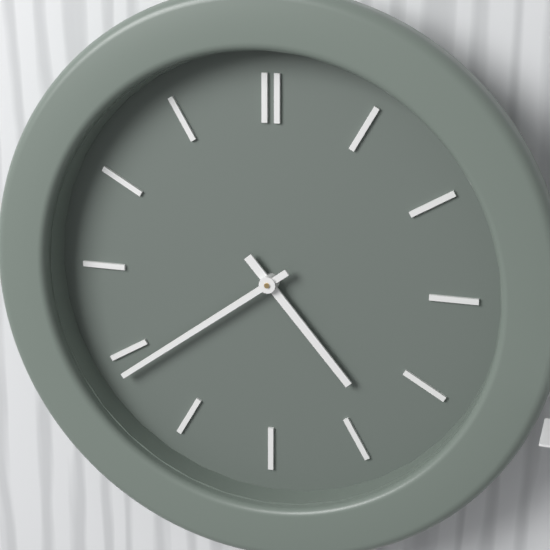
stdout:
{"hour": 4, "minute": 39}
